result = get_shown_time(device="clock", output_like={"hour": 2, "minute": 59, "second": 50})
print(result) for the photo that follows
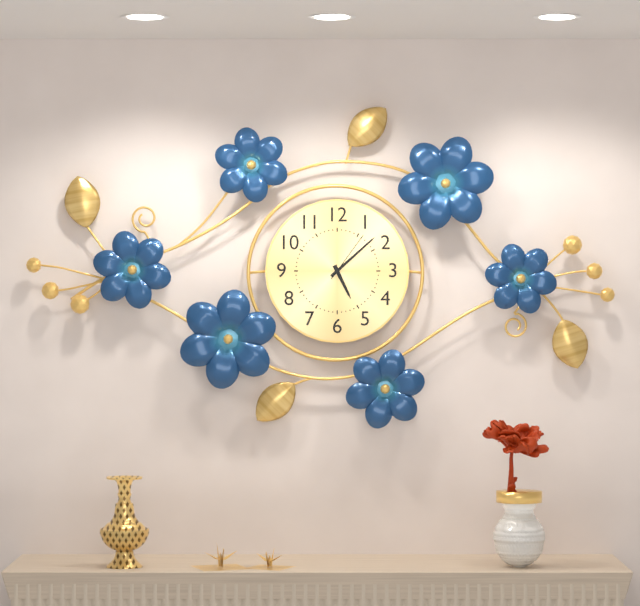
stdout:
{"hour": 5, "minute": 8, "second": 6}
